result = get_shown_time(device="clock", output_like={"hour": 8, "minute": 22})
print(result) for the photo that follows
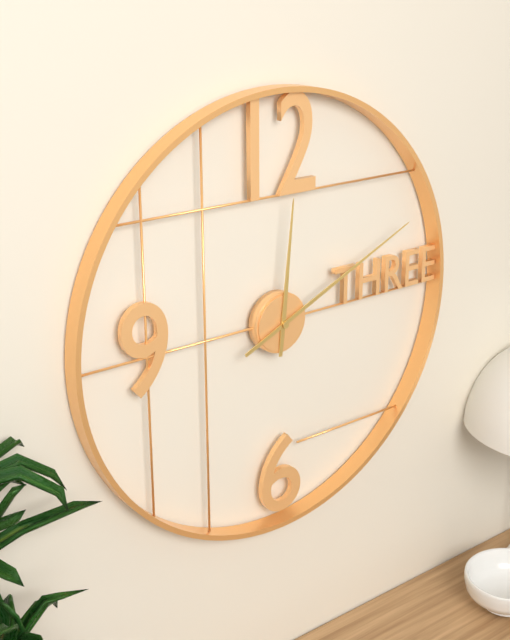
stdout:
{"hour": 12, "minute": 11}
